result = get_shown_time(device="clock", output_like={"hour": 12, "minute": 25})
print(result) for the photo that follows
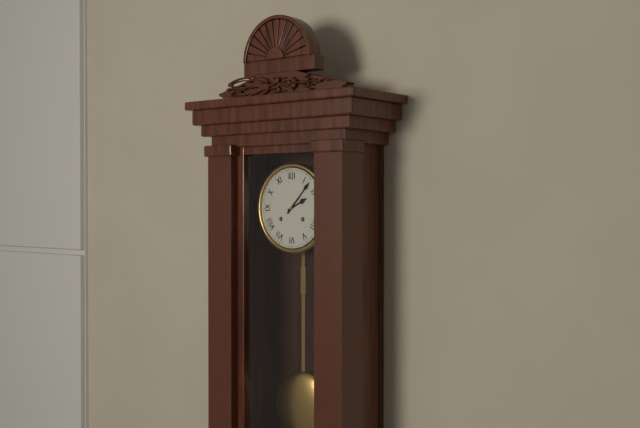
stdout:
{"hour": 2, "minute": 7}
